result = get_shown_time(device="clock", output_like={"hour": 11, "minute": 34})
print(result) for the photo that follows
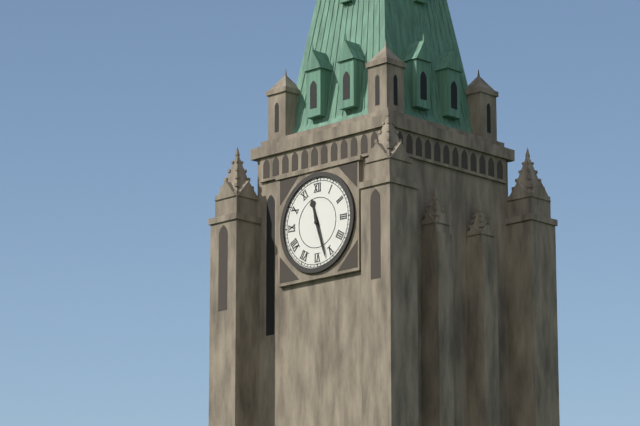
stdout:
{"hour": 11, "minute": 27}
